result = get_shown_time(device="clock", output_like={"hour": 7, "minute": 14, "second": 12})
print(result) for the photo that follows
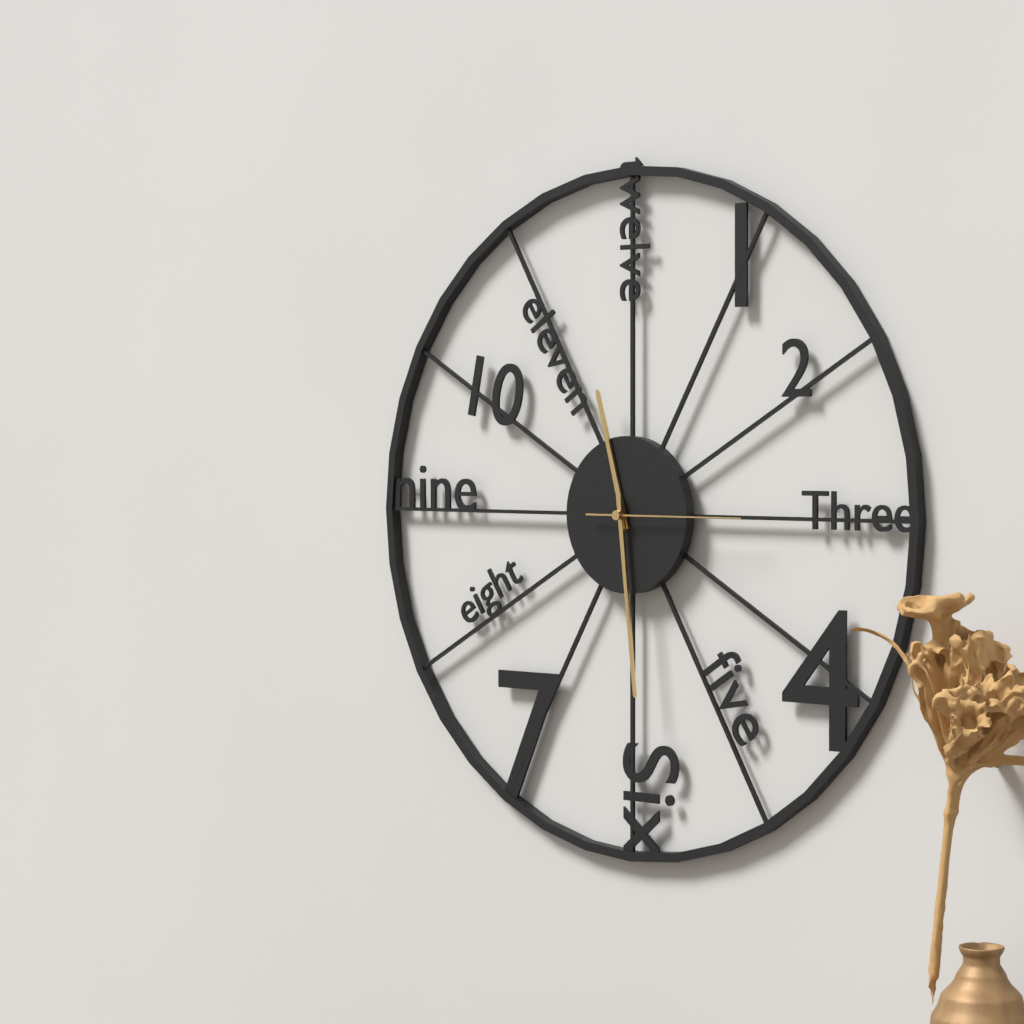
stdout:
{"hour": 11, "minute": 29, "second": 15}
